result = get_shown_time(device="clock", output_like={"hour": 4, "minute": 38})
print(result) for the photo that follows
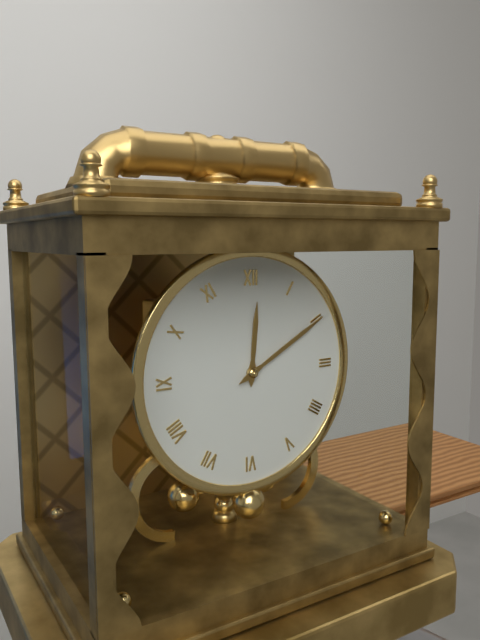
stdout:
{"hour": 12, "minute": 10}
